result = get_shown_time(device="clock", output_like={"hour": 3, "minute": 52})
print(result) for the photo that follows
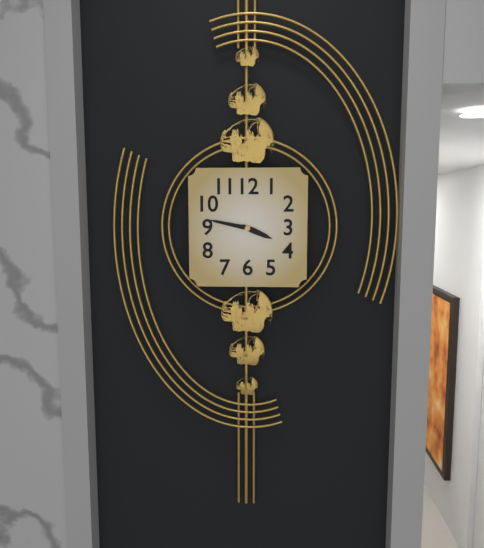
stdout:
{"hour": 3, "minute": 47}
